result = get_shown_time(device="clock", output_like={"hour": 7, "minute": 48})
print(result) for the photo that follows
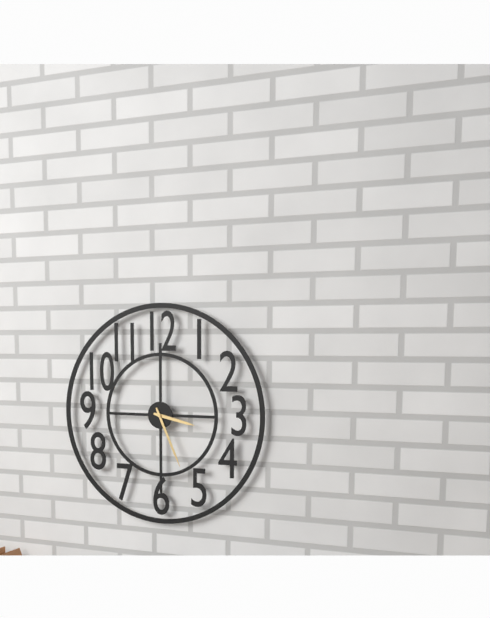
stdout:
{"hour": 3, "minute": 26}
